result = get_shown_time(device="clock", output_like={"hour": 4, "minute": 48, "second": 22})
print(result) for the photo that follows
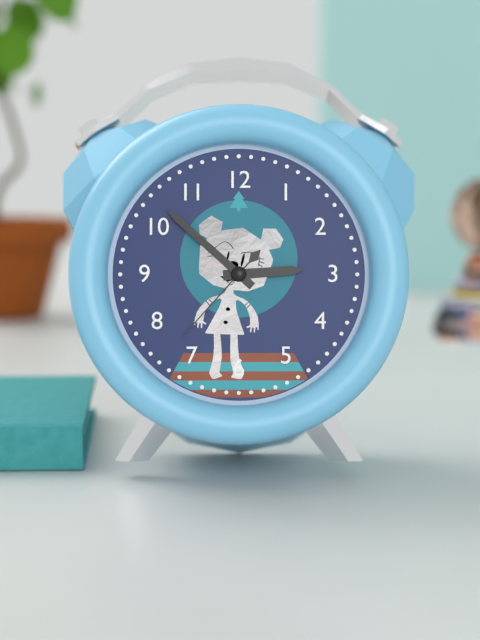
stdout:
{"hour": 2, "minute": 52, "second": 37}
